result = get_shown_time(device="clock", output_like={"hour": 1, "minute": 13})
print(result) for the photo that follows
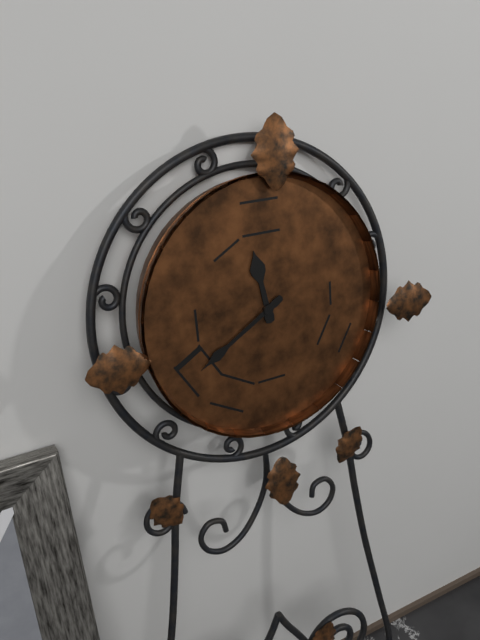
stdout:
{"hour": 11, "minute": 40}
